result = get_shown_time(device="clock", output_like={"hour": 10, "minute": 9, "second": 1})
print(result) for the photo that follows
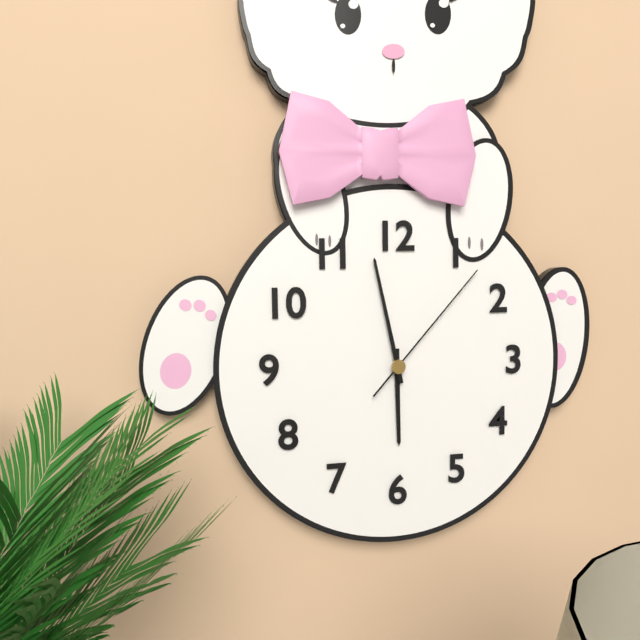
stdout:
{"hour": 5, "minute": 58, "second": 7}
